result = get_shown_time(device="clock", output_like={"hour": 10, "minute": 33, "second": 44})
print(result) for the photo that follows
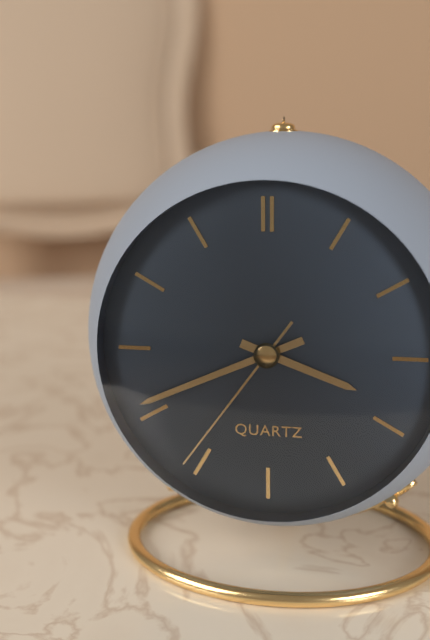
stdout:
{"hour": 3, "minute": 41, "second": 36}
